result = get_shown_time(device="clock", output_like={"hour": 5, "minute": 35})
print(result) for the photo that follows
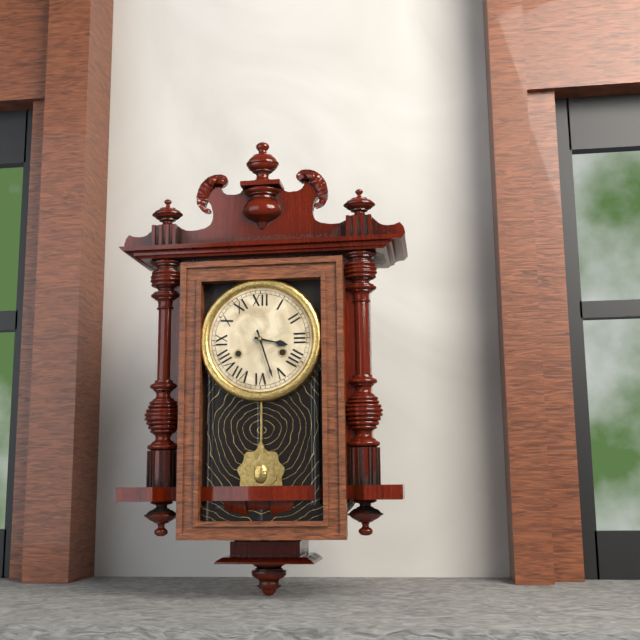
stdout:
{"hour": 3, "minute": 27}
